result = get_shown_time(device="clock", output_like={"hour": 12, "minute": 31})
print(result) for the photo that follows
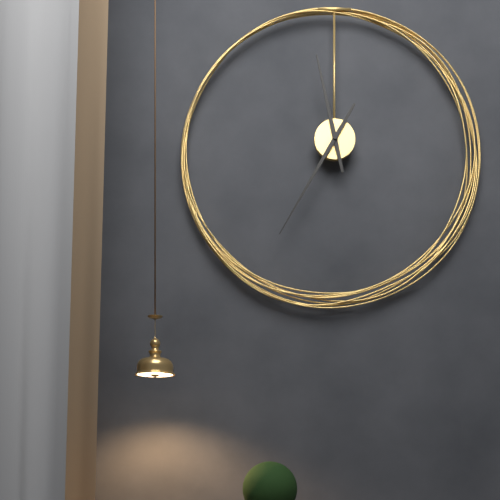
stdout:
{"hour": 11, "minute": 35}
